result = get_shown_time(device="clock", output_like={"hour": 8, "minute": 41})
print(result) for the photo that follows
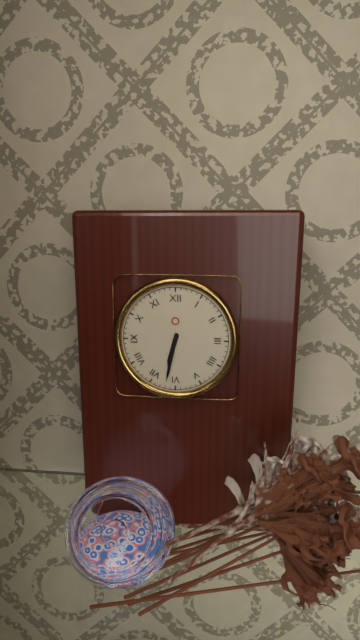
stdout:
{"hour": 6, "minute": 32}
